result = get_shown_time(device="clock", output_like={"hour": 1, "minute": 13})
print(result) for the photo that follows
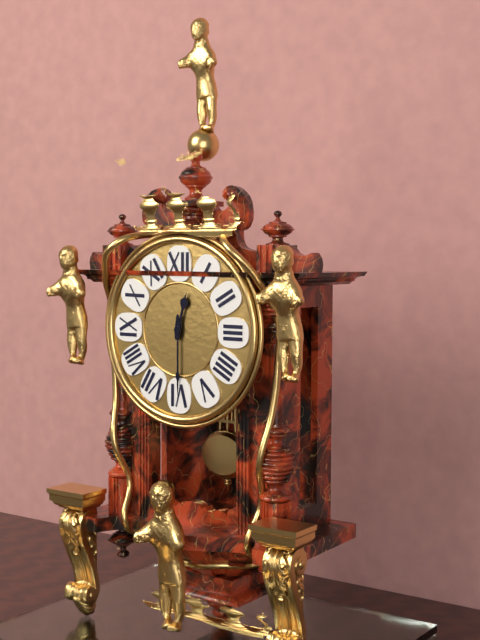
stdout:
{"hour": 12, "minute": 30}
